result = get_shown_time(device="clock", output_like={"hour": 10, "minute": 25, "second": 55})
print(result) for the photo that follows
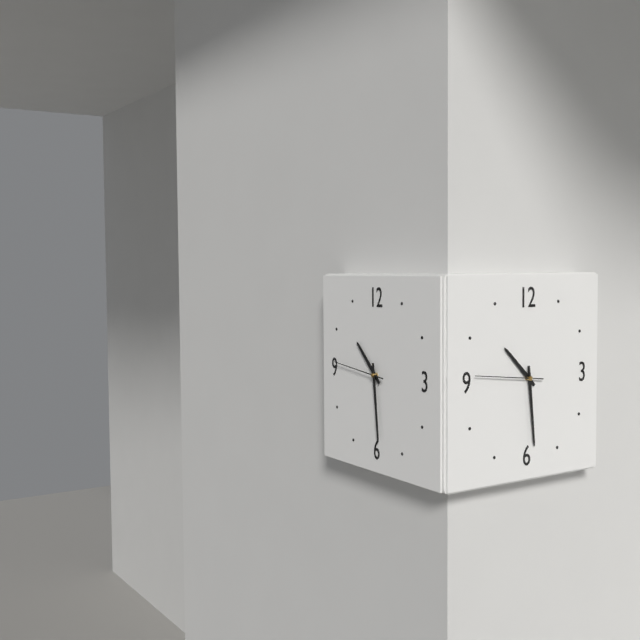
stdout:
{"hour": 10, "minute": 29, "second": 46}
